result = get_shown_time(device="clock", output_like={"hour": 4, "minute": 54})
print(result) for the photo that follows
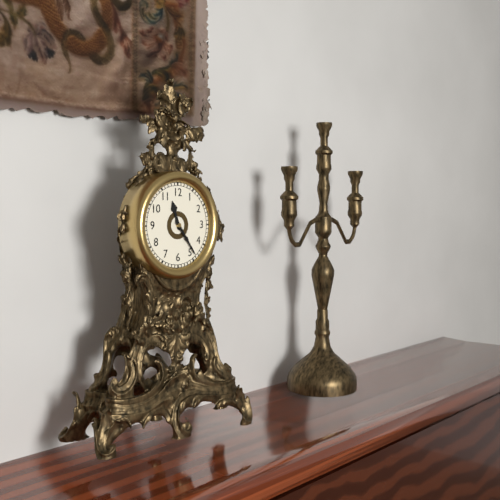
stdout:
{"hour": 11, "minute": 24}
